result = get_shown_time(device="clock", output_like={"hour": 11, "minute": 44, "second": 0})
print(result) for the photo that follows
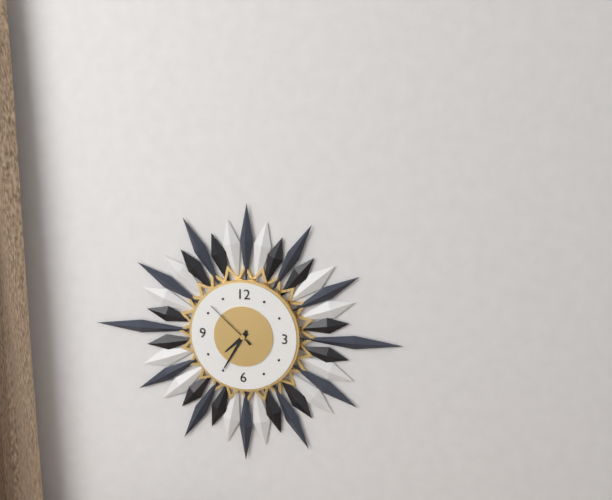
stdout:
{"hour": 7, "minute": 35, "second": 52}
